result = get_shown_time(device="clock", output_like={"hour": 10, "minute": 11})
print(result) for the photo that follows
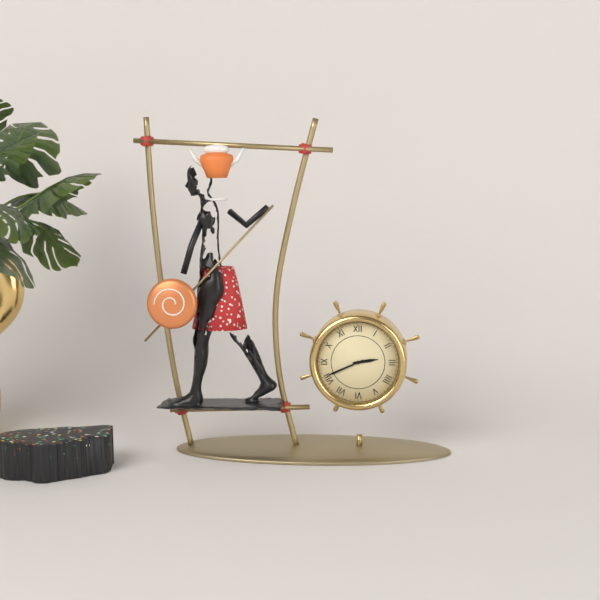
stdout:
{"hour": 2, "minute": 41}
